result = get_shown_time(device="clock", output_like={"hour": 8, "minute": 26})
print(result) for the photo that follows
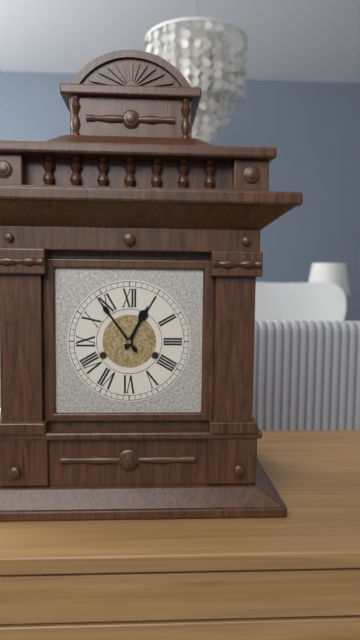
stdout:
{"hour": 12, "minute": 54}
